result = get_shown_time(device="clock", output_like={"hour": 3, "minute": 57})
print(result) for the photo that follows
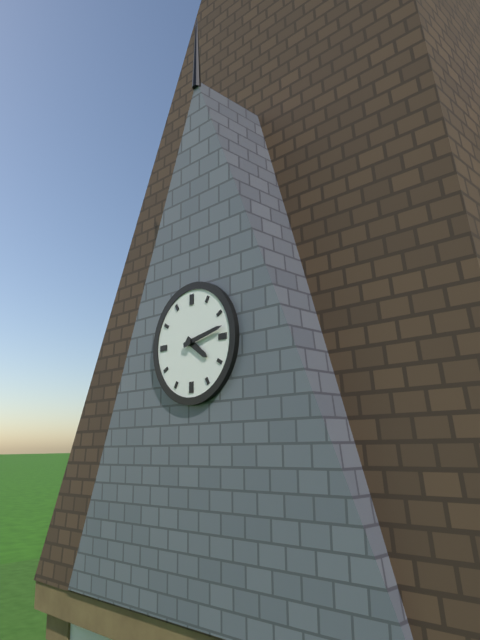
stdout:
{"hour": 4, "minute": 13}
